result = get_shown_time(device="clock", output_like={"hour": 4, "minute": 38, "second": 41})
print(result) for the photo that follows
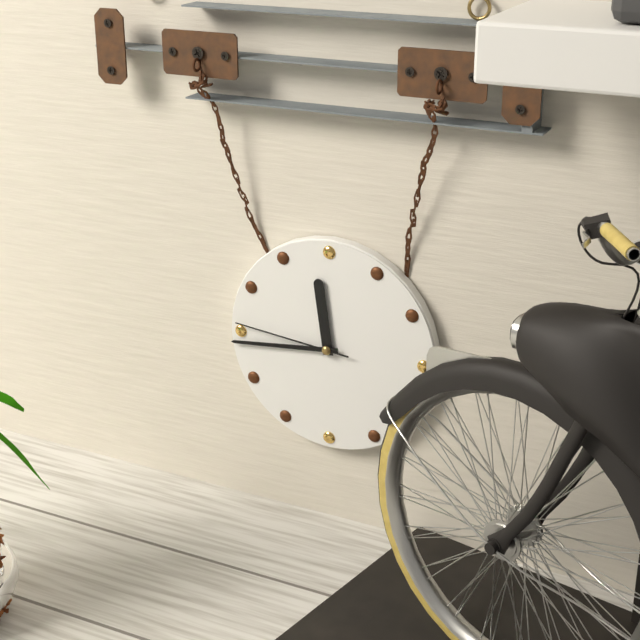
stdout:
{"hour": 11, "minute": 44, "second": 46}
